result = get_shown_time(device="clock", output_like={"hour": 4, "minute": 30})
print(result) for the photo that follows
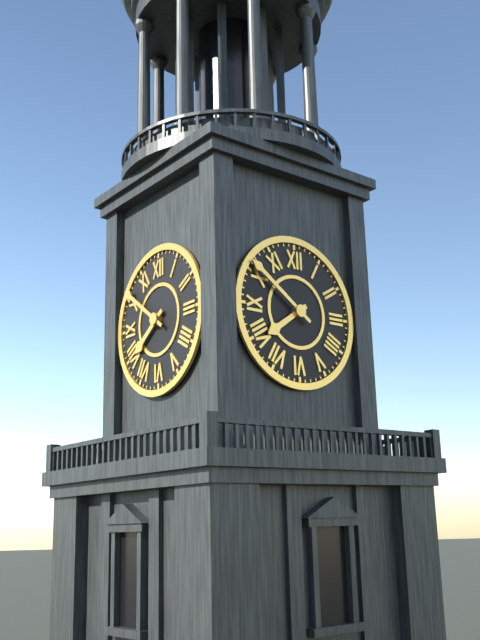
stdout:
{"hour": 7, "minute": 51}
